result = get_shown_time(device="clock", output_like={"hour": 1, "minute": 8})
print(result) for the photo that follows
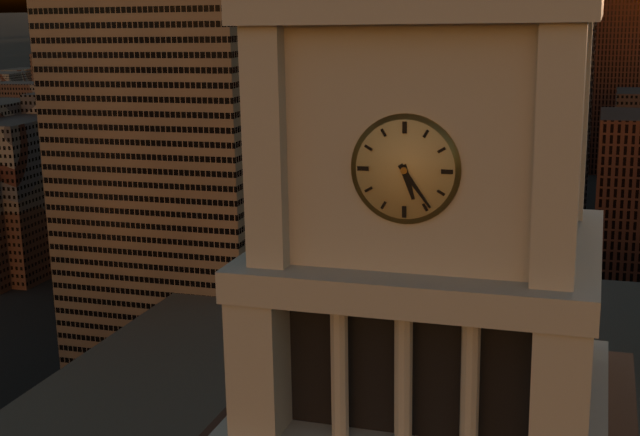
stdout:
{"hour": 5, "minute": 24}
